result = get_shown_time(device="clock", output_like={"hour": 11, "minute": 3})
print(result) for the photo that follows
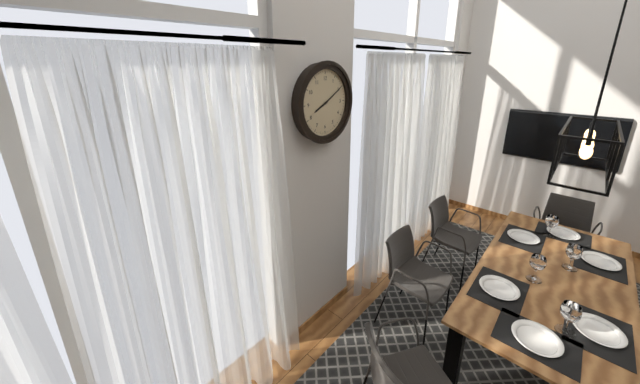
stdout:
{"hour": 8, "minute": 10}
